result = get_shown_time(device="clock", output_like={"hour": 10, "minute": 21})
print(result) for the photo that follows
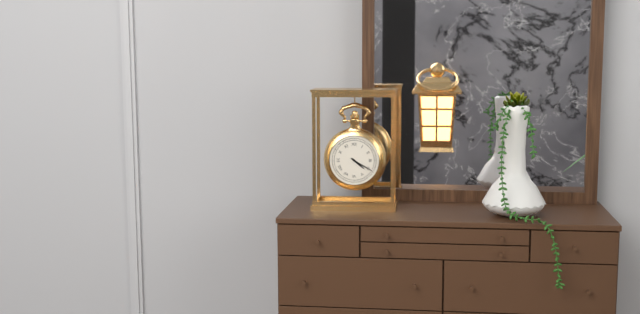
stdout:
{"hour": 4, "minute": 20}
